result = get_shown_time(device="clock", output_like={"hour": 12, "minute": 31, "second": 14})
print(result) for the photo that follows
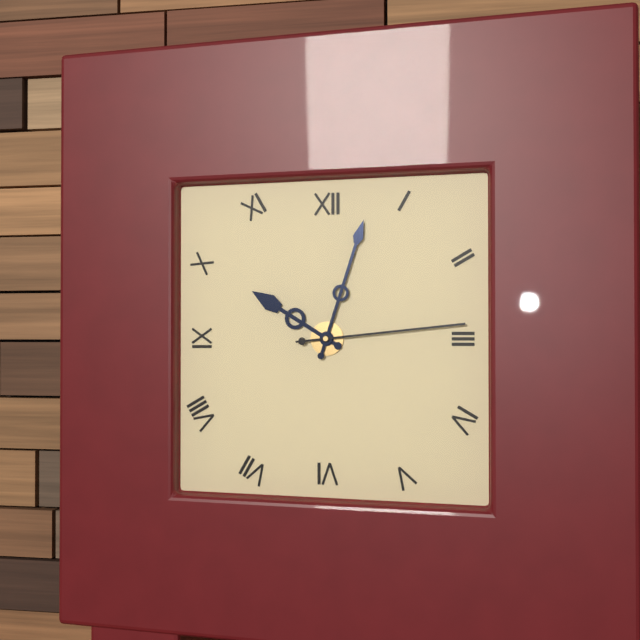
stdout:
{"hour": 10, "minute": 3, "second": 14}
